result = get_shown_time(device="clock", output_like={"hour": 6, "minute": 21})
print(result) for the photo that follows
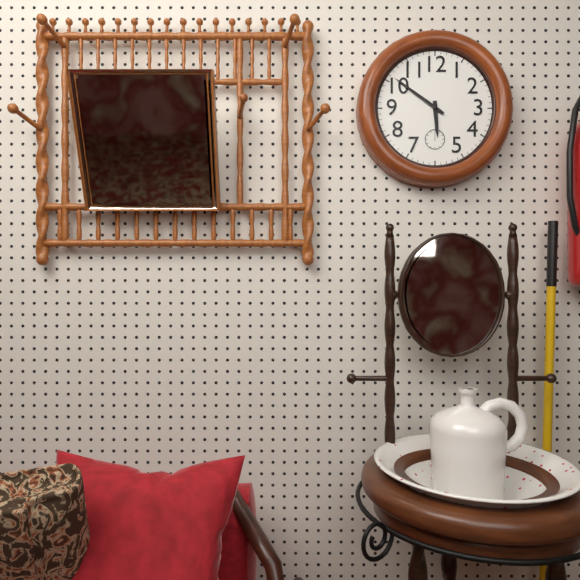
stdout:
{"hour": 5, "minute": 51}
